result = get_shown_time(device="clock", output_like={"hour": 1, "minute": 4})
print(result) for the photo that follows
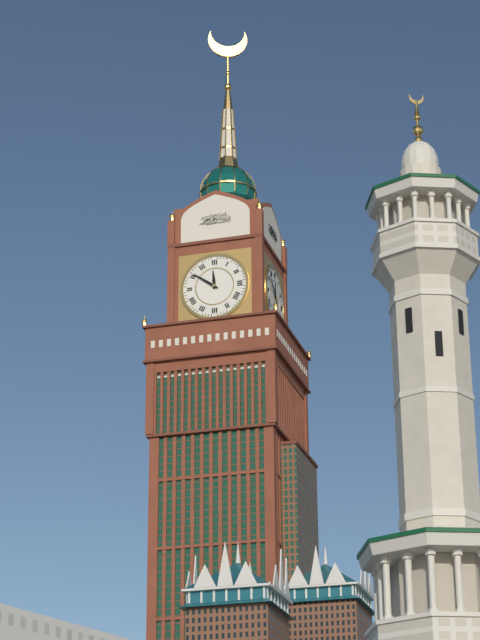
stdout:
{"hour": 11, "minute": 51}
